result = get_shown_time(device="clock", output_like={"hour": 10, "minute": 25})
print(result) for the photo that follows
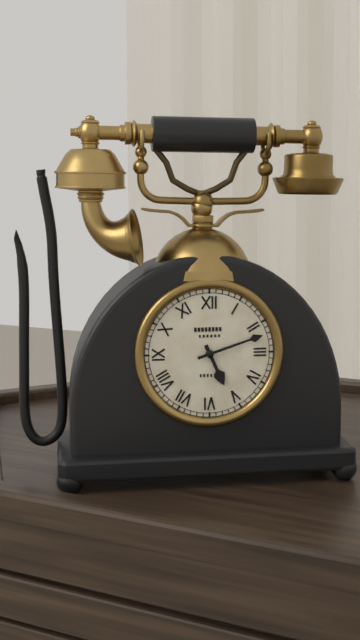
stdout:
{"hour": 5, "minute": 12}
